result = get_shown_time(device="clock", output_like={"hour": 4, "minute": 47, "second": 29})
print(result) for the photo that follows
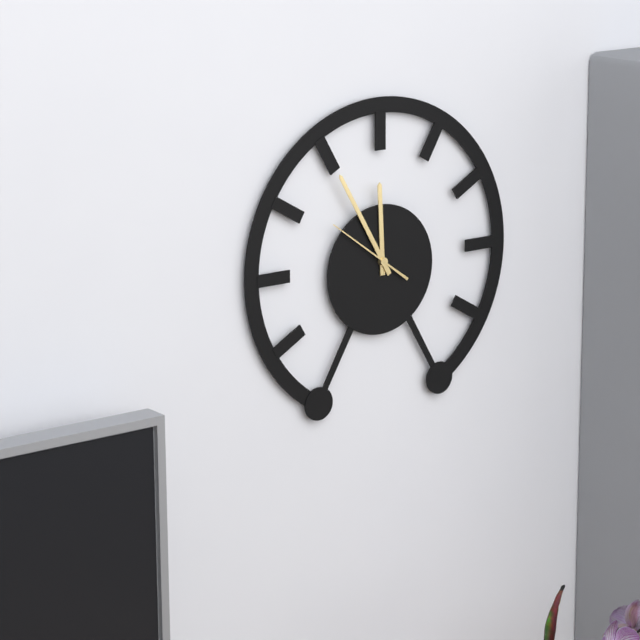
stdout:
{"hour": 11, "minute": 55, "second": 51}
